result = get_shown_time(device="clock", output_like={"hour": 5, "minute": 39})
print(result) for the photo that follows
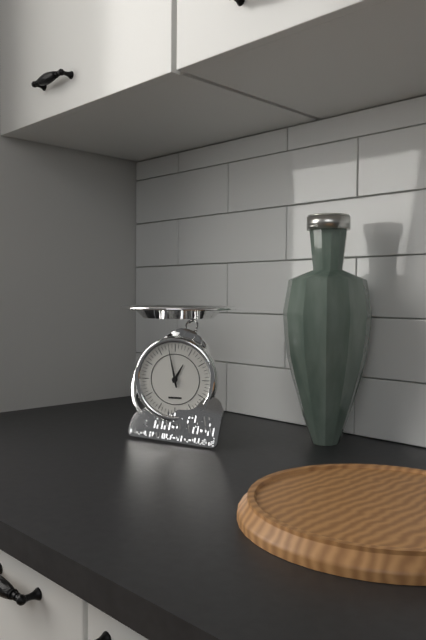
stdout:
{"hour": 12, "minute": 58}
